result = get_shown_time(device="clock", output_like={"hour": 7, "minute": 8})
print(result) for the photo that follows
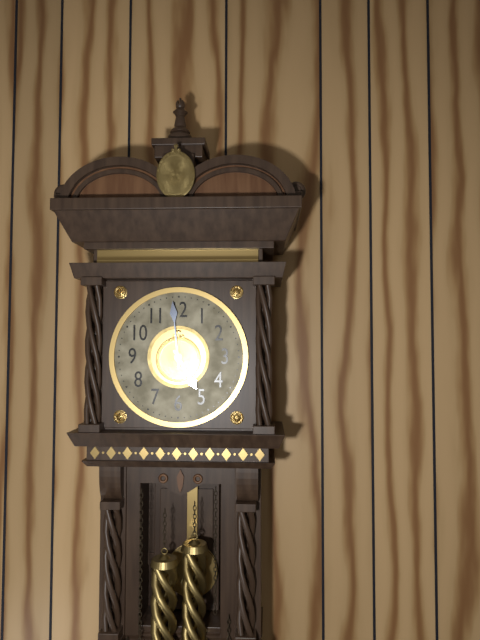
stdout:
{"hour": 4, "minute": 59}
